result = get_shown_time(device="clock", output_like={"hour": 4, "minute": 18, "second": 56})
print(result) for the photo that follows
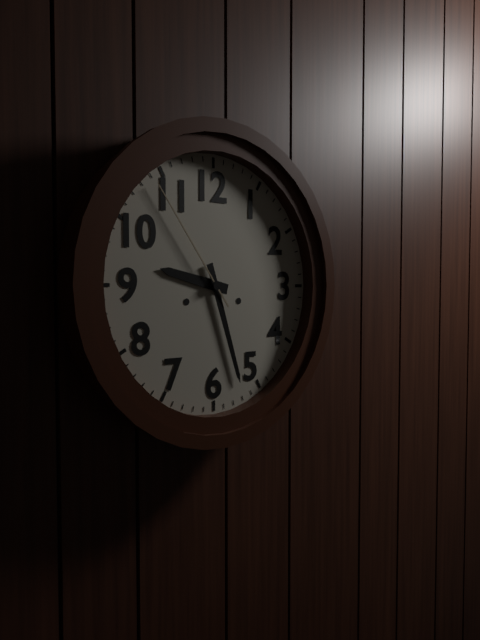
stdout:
{"hour": 9, "minute": 27, "second": 54}
